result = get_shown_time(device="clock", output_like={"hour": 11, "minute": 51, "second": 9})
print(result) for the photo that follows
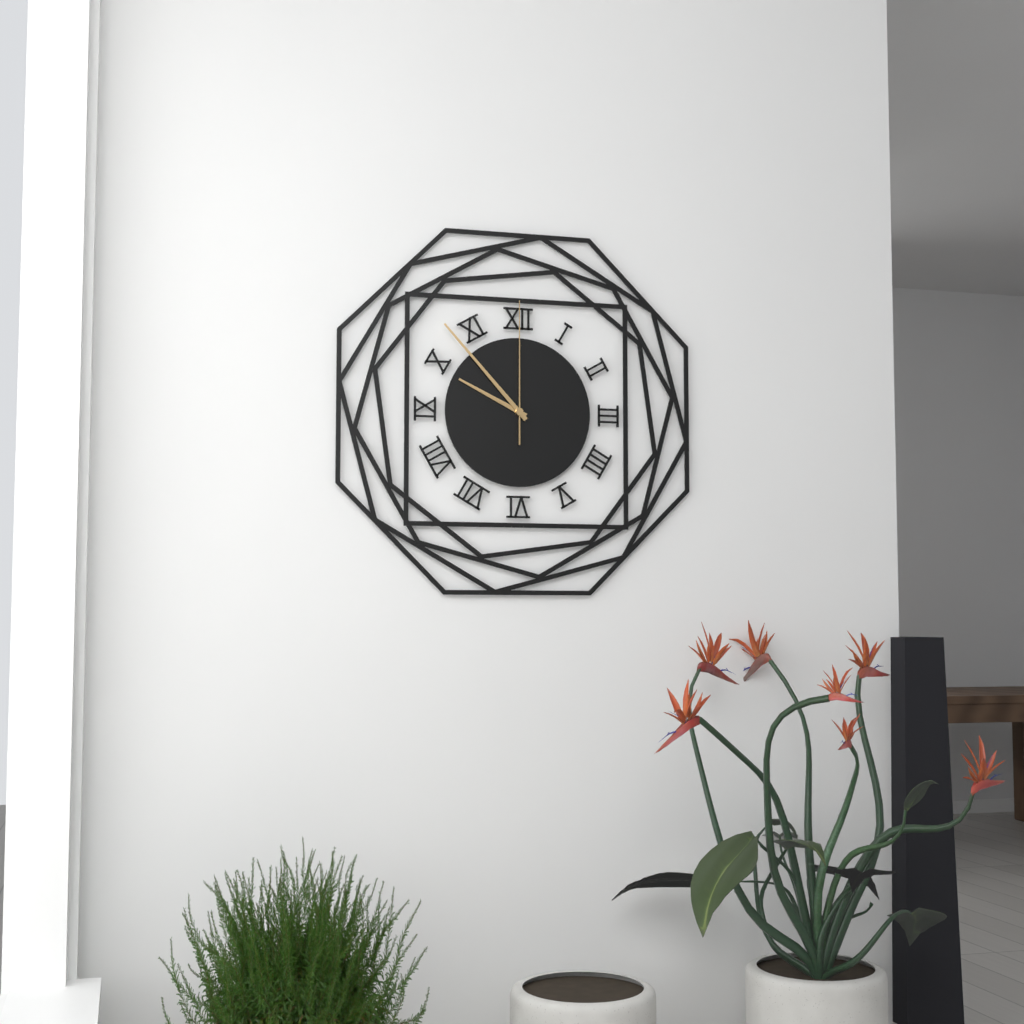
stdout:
{"hour": 9, "minute": 53, "second": 0}
